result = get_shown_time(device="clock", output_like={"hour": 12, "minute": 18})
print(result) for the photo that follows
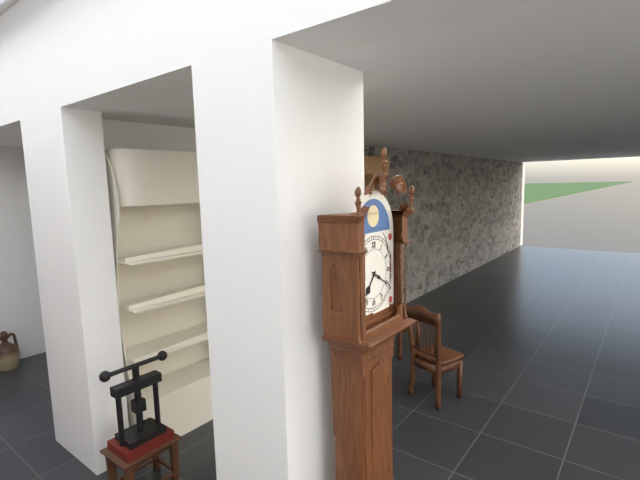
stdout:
{"hour": 7, "minute": 20}
